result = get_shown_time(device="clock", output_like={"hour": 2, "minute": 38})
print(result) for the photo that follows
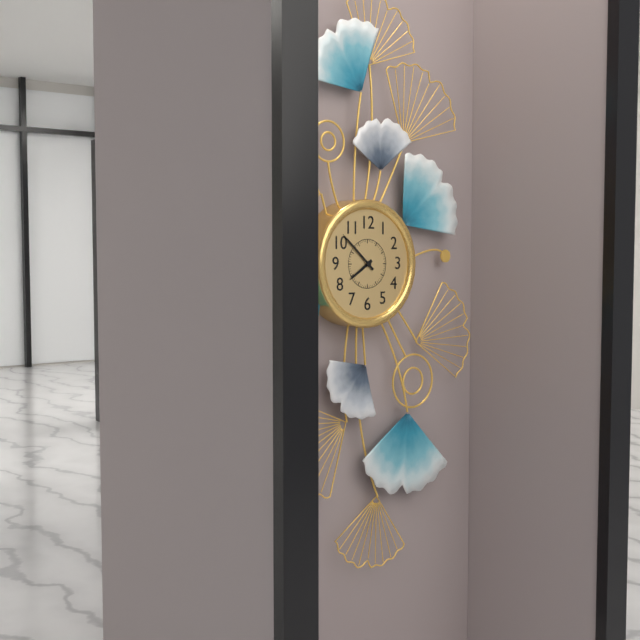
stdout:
{"hour": 7, "minute": 52}
